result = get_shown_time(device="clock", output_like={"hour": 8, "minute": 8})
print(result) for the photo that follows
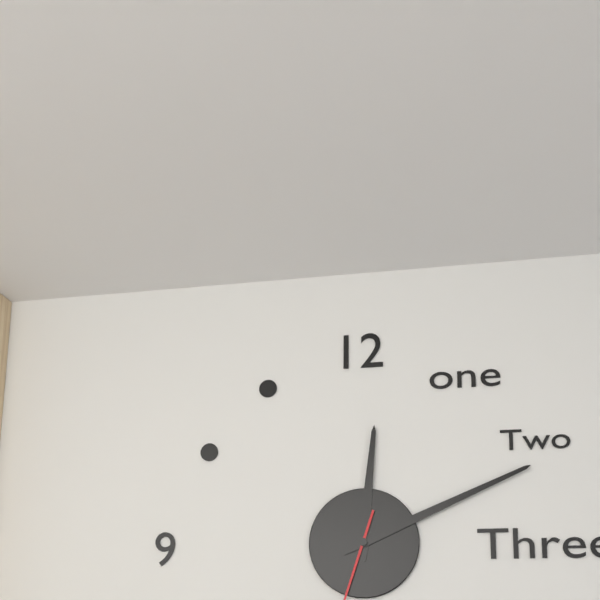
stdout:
{"hour": 12, "minute": 11}
